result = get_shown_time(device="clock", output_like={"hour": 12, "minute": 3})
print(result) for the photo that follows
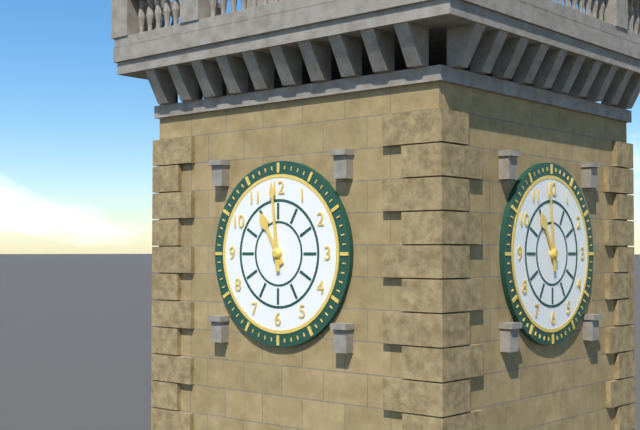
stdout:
{"hour": 10, "minute": 59}
